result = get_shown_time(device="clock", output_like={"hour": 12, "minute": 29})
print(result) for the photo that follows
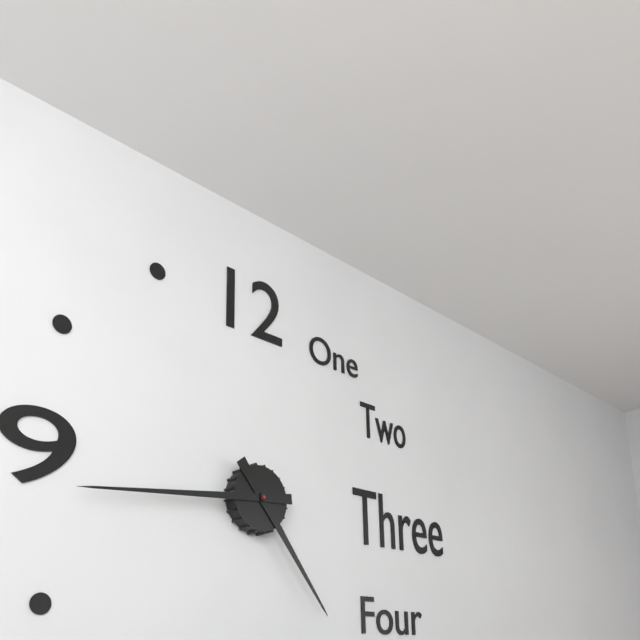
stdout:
{"hour": 4, "minute": 44}
